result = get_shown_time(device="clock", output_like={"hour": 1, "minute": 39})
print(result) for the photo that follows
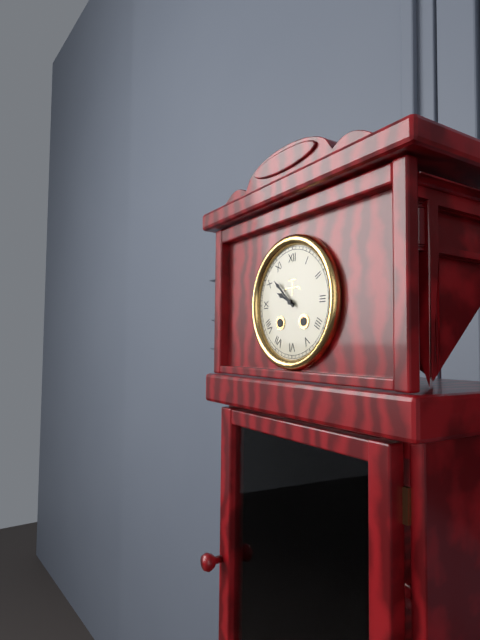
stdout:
{"hour": 9, "minute": 52}
